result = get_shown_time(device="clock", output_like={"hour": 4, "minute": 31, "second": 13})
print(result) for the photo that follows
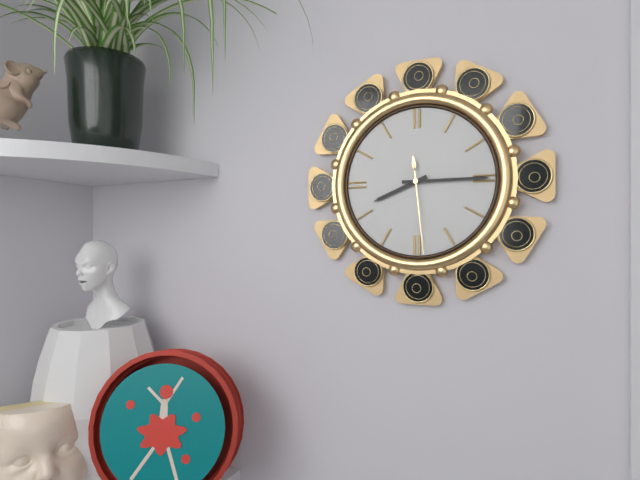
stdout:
{"hour": 8, "minute": 15, "second": 29}
